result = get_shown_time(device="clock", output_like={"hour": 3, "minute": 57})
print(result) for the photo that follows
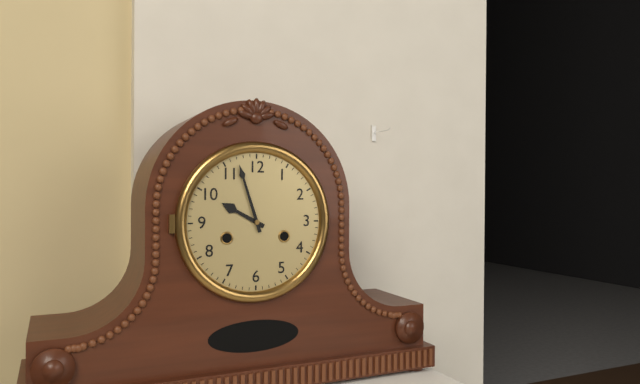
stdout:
{"hour": 9, "minute": 57}
